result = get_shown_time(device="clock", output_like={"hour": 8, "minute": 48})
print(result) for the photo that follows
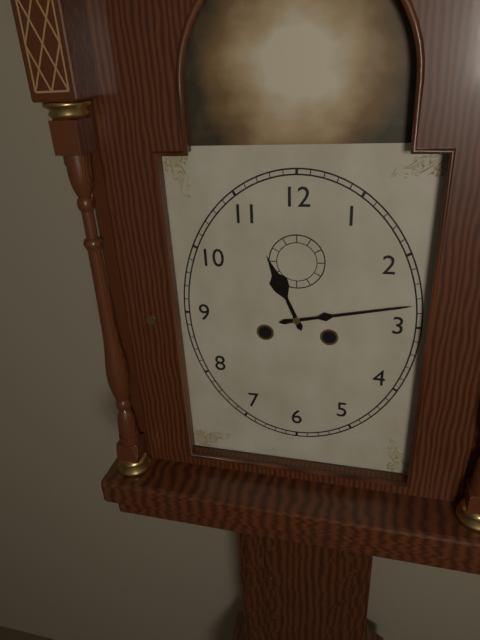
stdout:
{"hour": 11, "minute": 13}
